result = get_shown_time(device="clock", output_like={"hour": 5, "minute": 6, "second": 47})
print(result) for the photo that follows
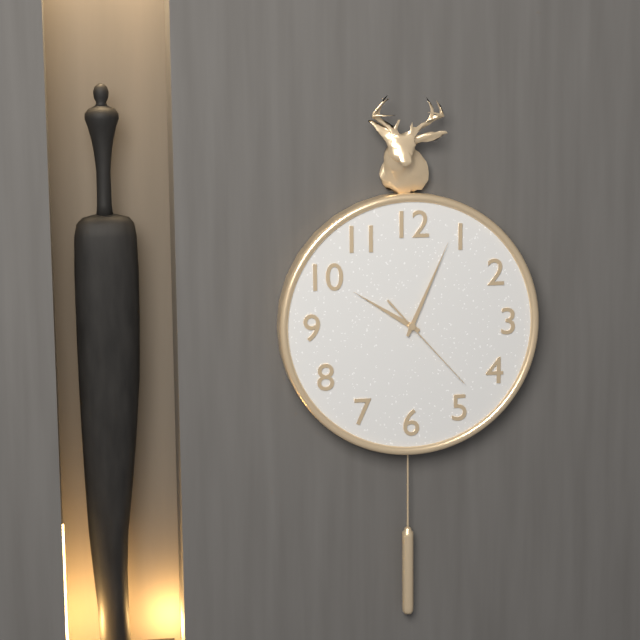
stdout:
{"hour": 10, "minute": 4, "second": 23}
